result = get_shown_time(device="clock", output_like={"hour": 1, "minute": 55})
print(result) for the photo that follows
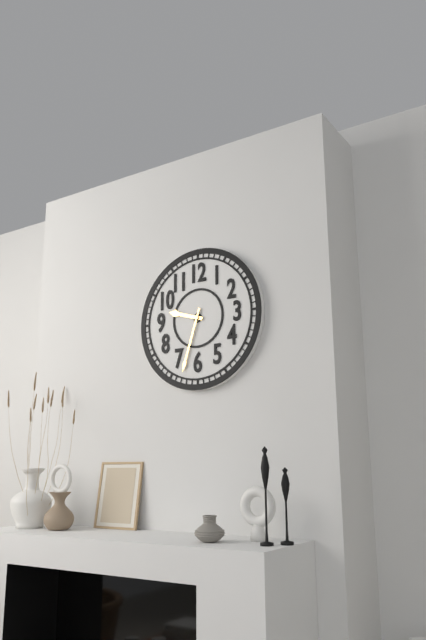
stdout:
{"hour": 9, "minute": 33}
